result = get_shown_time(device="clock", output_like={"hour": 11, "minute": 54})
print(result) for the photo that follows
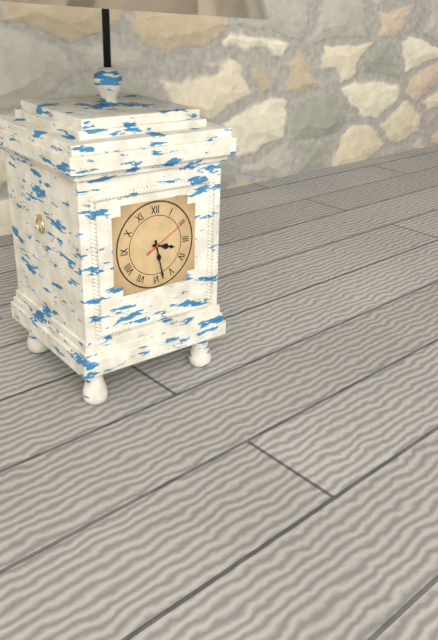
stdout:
{"hour": 3, "minute": 28}
